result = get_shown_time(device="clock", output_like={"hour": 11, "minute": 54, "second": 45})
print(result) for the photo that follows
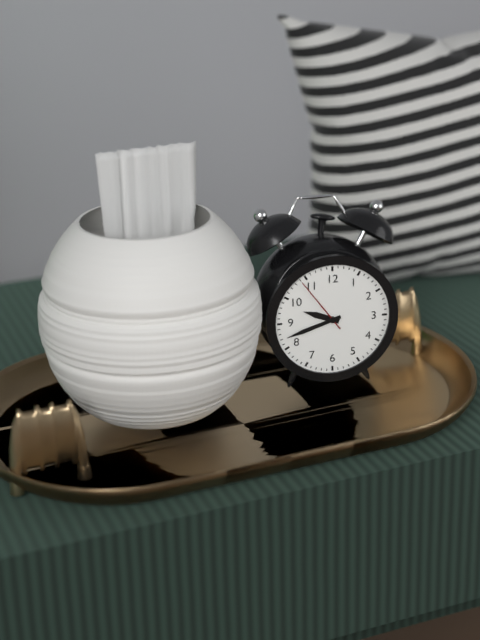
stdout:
{"hour": 9, "minute": 42, "second": 54}
